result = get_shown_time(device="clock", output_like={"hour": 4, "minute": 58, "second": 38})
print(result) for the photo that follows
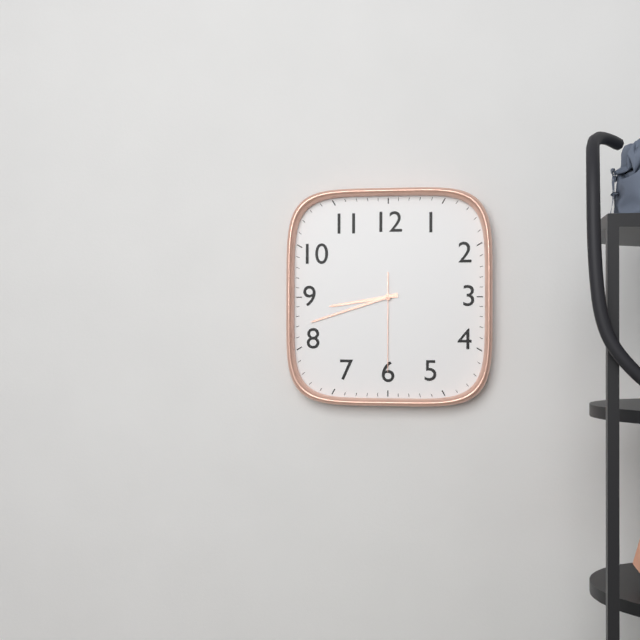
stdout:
{"hour": 8, "minute": 42, "second": 30}
